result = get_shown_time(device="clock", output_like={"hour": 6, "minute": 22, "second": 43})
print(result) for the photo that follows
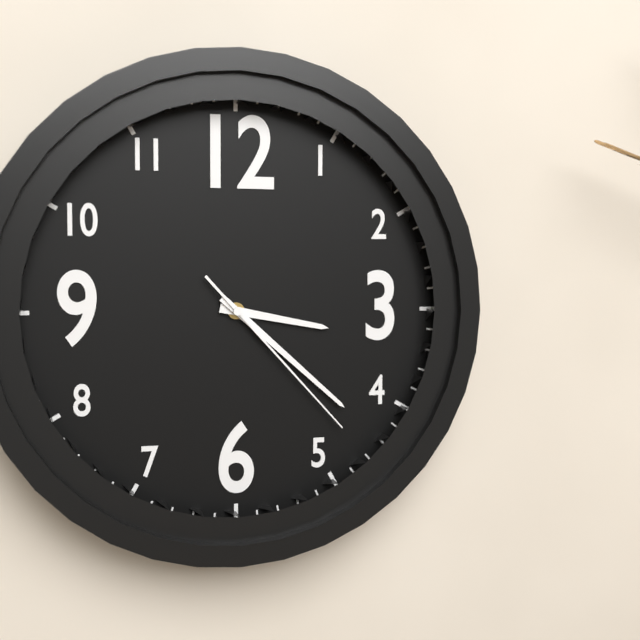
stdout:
{"hour": 3, "minute": 22, "second": 23}
